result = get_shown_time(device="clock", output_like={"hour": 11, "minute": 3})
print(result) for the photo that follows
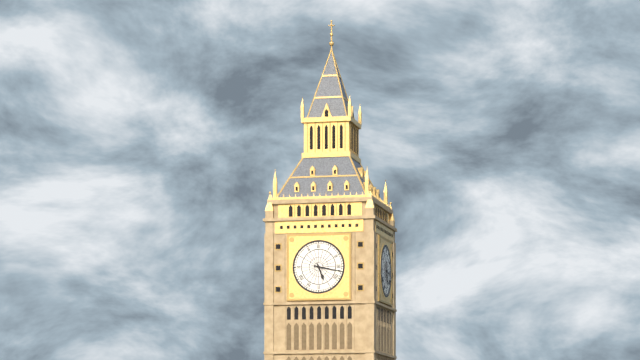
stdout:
{"hour": 5, "minute": 17}
